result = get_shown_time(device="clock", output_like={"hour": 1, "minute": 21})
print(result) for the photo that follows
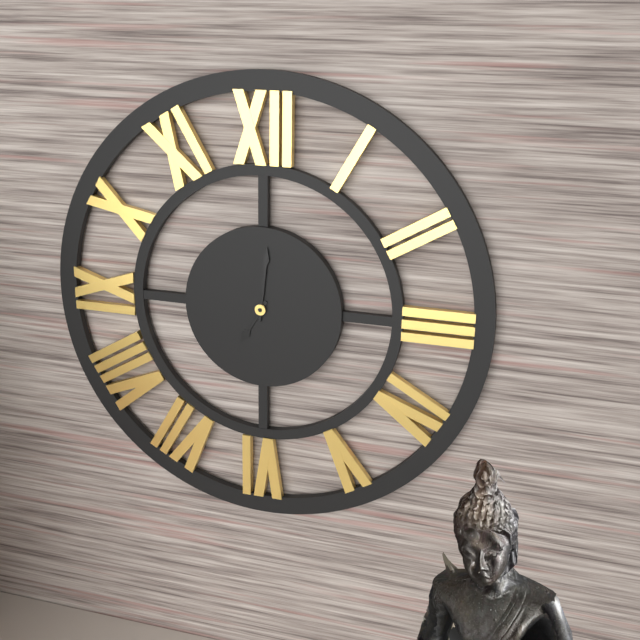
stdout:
{"hour": 7, "minute": 1}
